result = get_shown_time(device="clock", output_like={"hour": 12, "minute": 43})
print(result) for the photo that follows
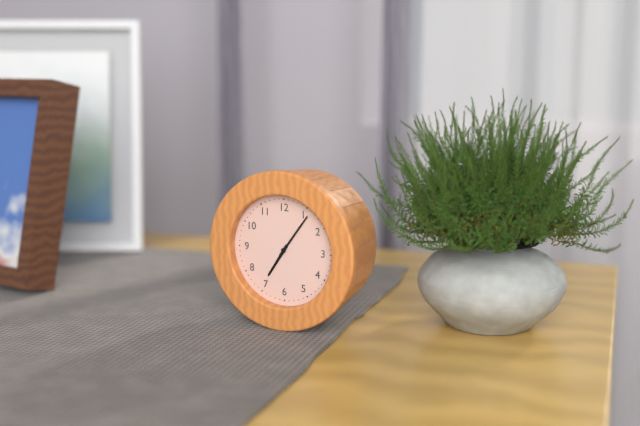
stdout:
{"hour": 7, "minute": 6}
